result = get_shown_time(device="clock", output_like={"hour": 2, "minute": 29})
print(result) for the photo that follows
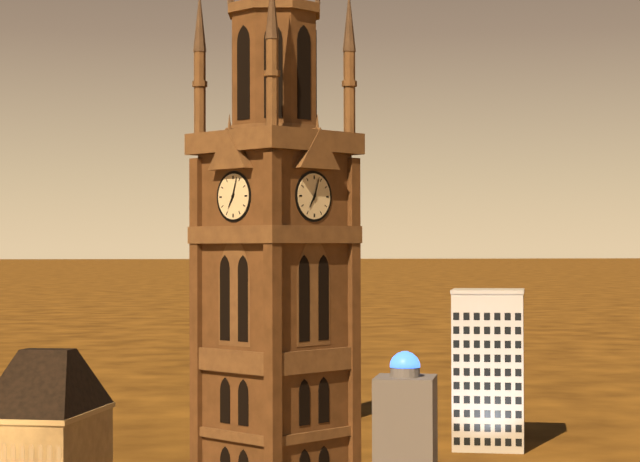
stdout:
{"hour": 7, "minute": 3}
